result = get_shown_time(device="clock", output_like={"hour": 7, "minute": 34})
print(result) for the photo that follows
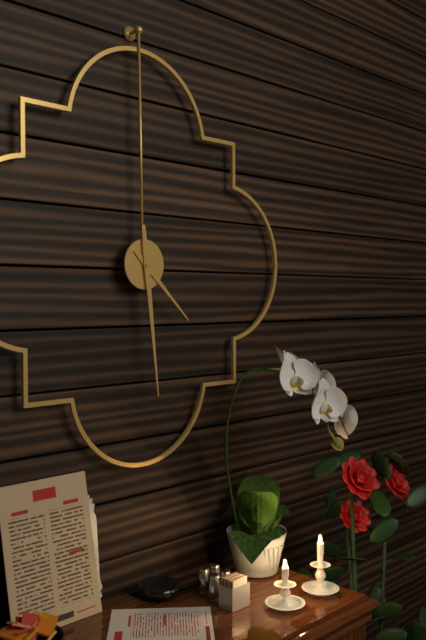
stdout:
{"hour": 4, "minute": 29}
